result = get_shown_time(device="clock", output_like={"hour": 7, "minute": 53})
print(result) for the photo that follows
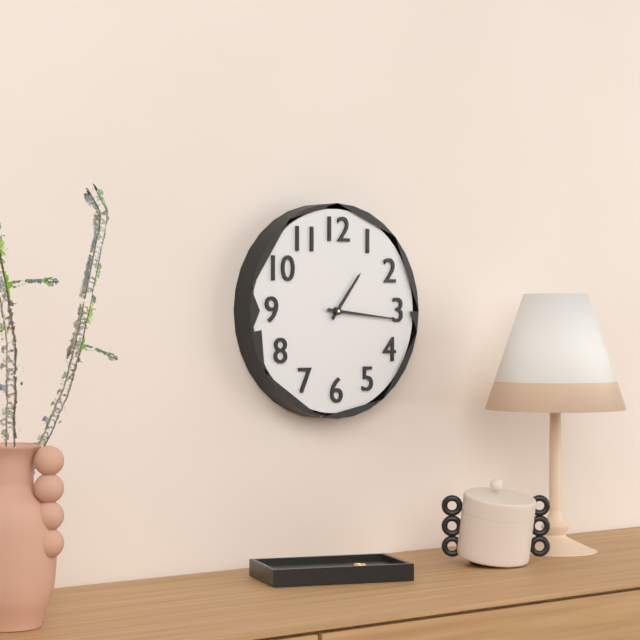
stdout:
{"hour": 1, "minute": 16}
